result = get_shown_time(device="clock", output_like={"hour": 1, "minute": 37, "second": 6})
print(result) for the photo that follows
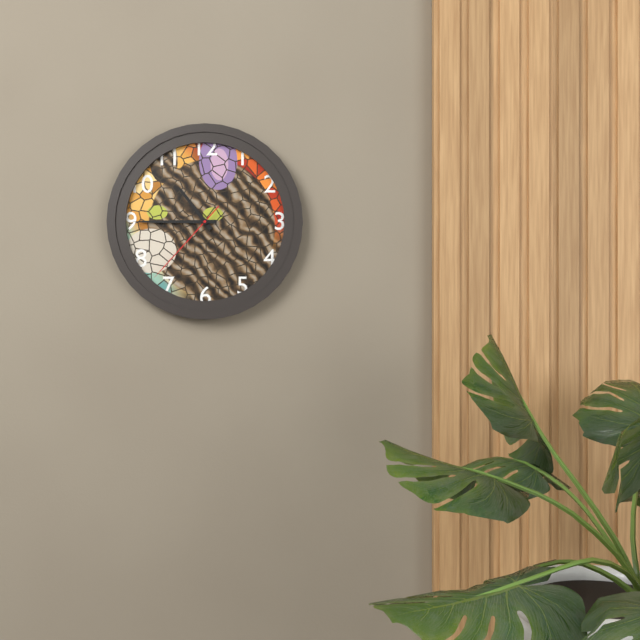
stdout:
{"hour": 10, "minute": 45, "second": 37}
